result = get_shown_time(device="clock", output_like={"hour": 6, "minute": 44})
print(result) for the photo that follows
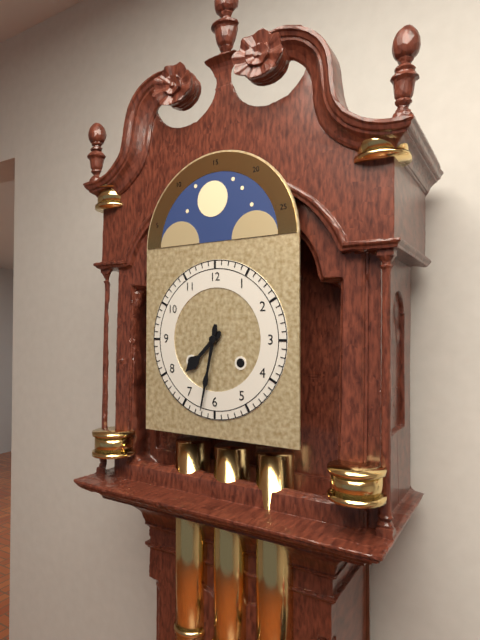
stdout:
{"hour": 7, "minute": 32}
